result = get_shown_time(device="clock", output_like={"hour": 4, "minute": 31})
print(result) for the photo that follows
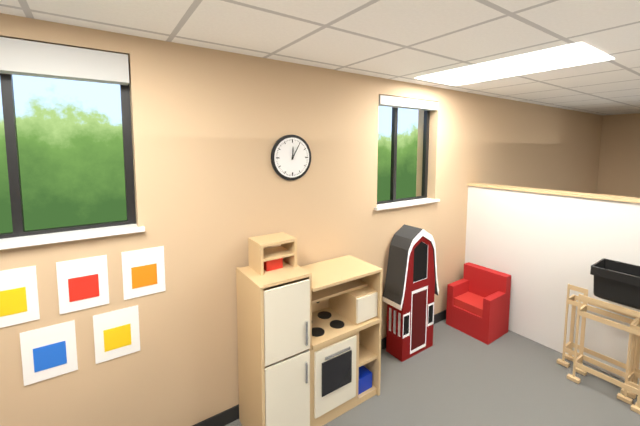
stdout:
{"hour": 12, "minute": 5}
